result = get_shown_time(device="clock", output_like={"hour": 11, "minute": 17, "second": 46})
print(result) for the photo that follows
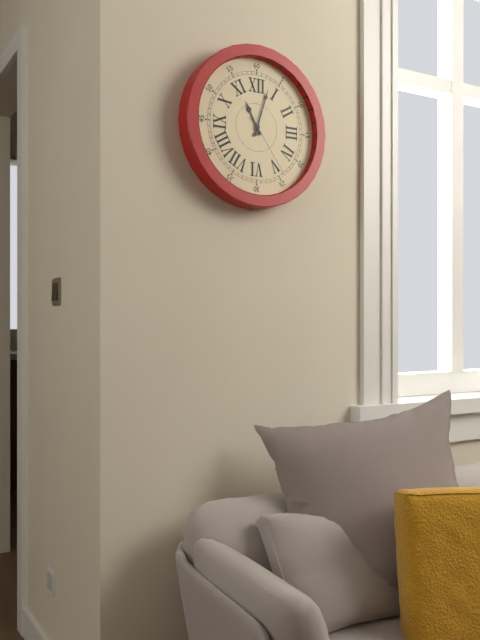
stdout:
{"hour": 11, "minute": 3, "second": 24}
